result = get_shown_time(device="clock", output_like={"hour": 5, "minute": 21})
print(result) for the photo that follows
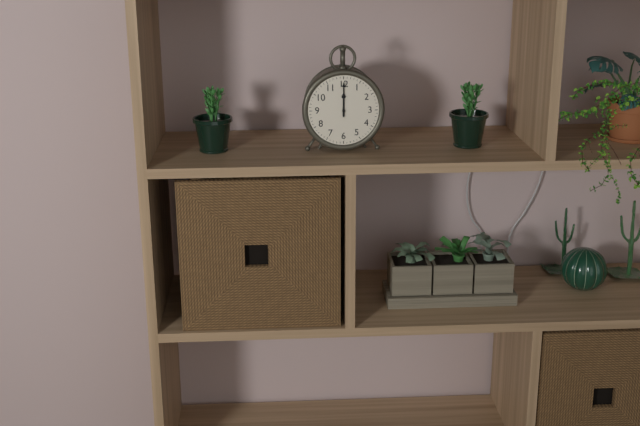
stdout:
{"hour": 12, "minute": 0}
